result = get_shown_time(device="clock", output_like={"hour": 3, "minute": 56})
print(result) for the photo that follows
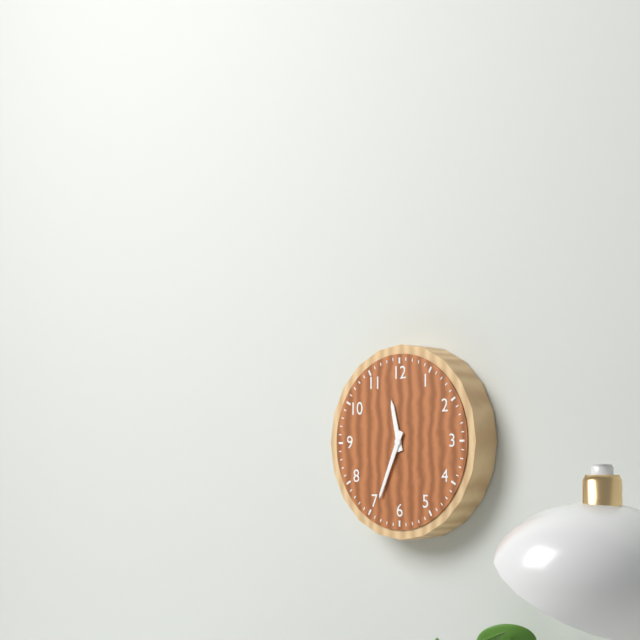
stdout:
{"hour": 11, "minute": 34}
